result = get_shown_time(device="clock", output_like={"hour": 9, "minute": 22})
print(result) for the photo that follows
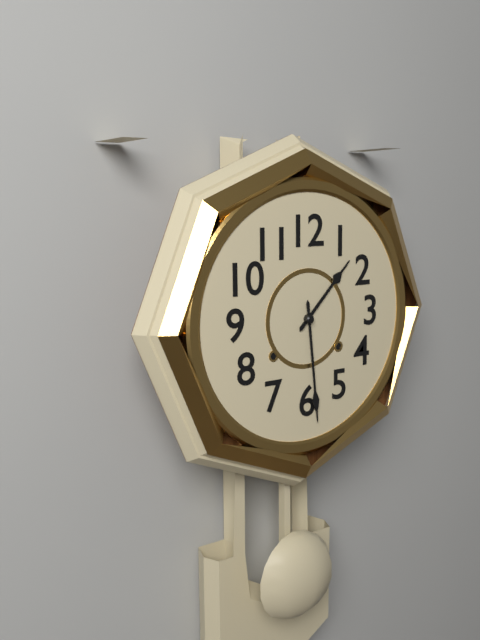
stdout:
{"hour": 1, "minute": 29}
